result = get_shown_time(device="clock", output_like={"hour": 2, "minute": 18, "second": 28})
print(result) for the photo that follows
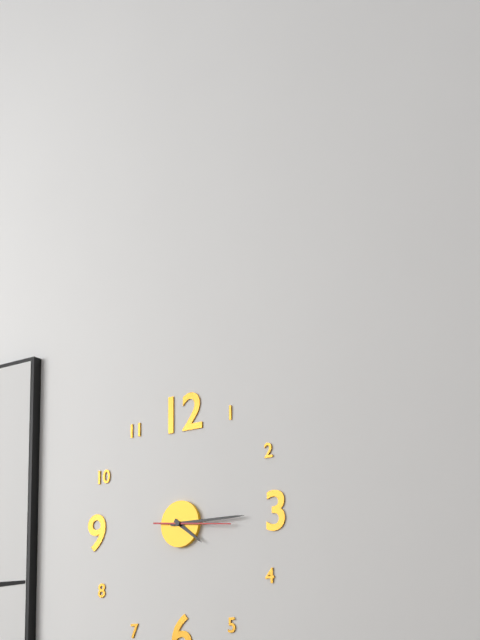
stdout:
{"hour": 4, "minute": 15, "second": 16}
